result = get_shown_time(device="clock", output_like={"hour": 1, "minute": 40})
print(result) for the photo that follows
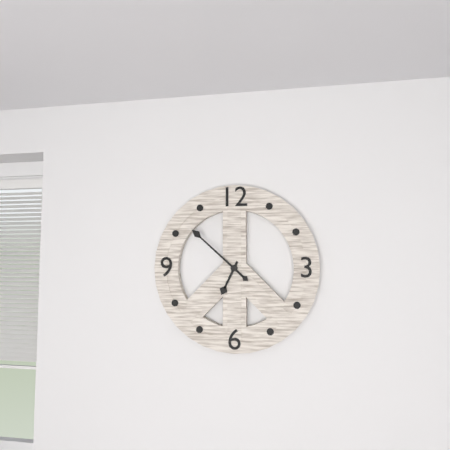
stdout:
{"hour": 6, "minute": 52}
